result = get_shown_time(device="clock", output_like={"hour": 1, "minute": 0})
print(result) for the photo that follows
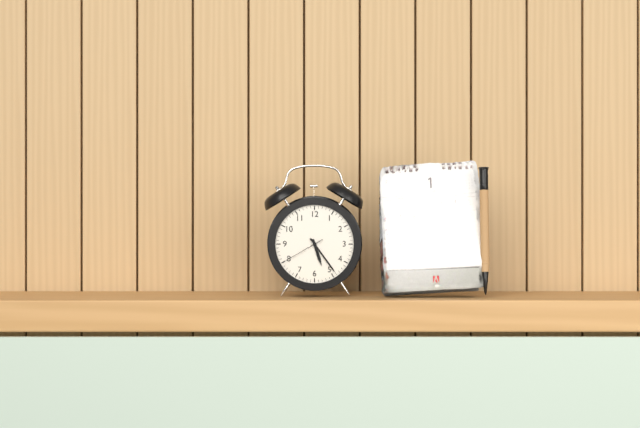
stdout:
{"hour": 5, "minute": 24}
